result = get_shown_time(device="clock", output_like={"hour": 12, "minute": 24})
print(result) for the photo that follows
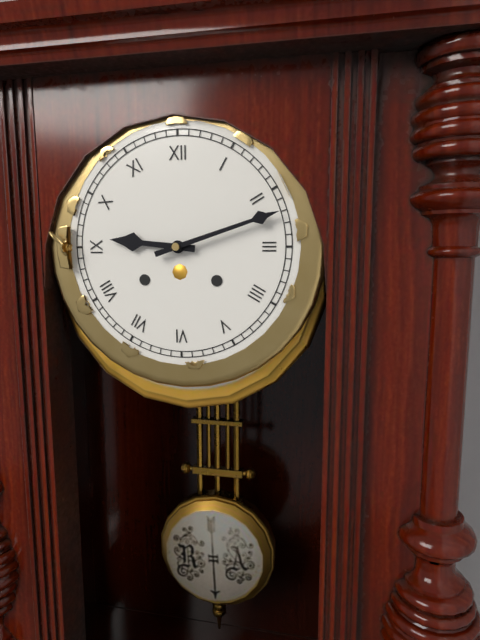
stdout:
{"hour": 9, "minute": 12}
